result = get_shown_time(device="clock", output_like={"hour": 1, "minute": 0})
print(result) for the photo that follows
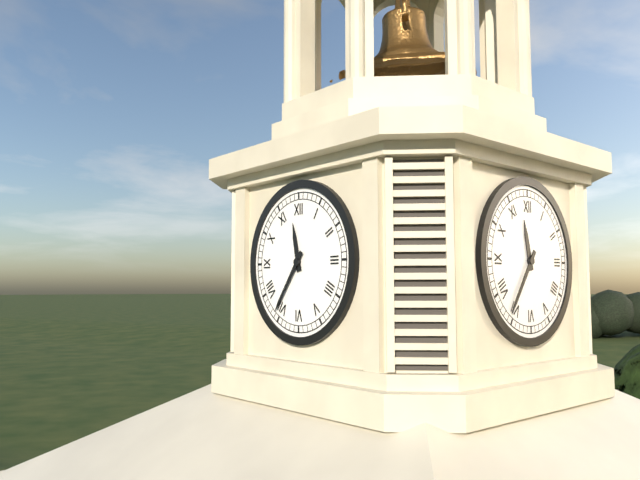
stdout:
{"hour": 11, "minute": 36}
